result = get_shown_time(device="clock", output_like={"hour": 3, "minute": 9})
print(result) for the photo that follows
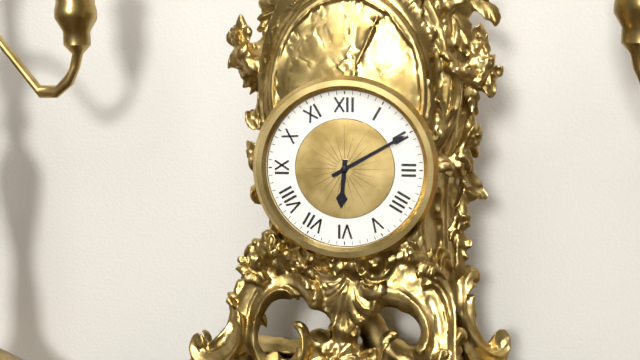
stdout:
{"hour": 6, "minute": 10}
